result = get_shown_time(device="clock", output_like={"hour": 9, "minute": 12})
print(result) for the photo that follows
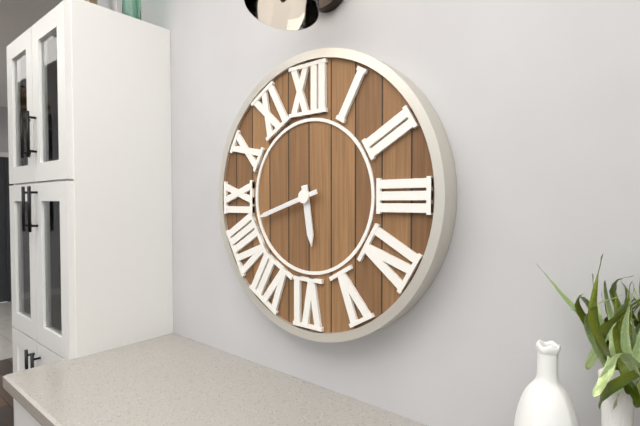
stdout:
{"hour": 5, "minute": 42}
